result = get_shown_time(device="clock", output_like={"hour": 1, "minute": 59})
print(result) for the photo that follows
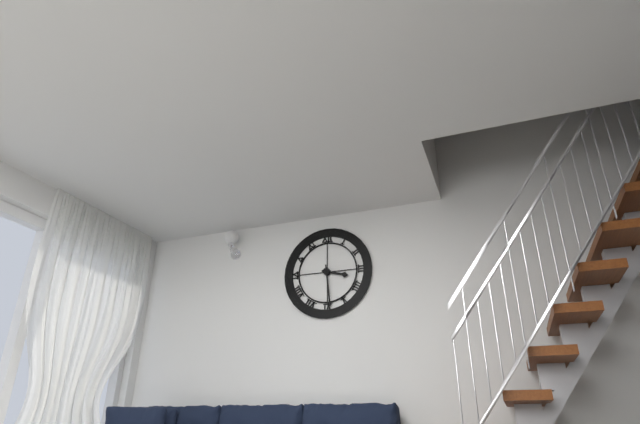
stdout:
{"hour": 3, "minute": 29}
